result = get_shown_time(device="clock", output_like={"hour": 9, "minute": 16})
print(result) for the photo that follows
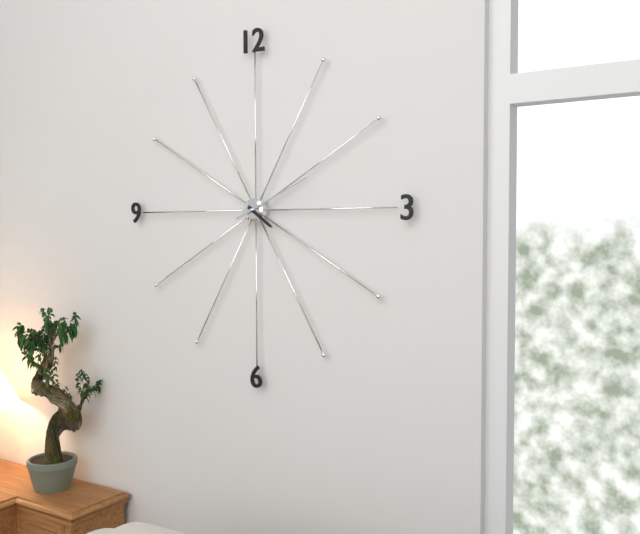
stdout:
{"hour": 4, "minute": 11}
